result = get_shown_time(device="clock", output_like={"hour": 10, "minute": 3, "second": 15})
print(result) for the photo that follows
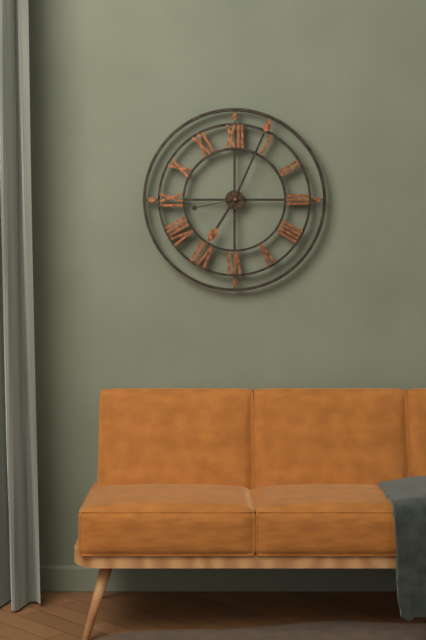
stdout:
{"hour": 7, "minute": 4, "second": 43}
